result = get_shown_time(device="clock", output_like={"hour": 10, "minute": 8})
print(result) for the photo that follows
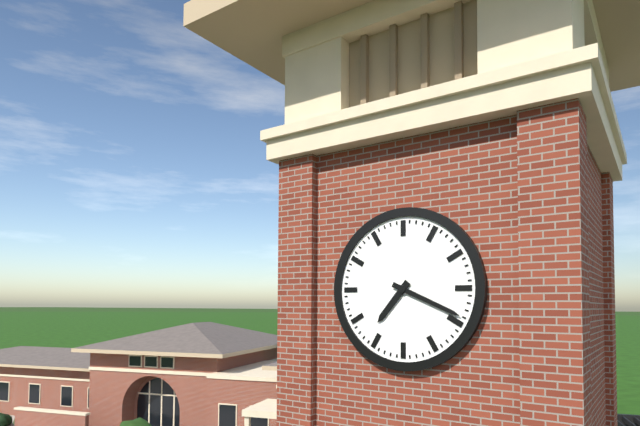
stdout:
{"hour": 7, "minute": 19}
